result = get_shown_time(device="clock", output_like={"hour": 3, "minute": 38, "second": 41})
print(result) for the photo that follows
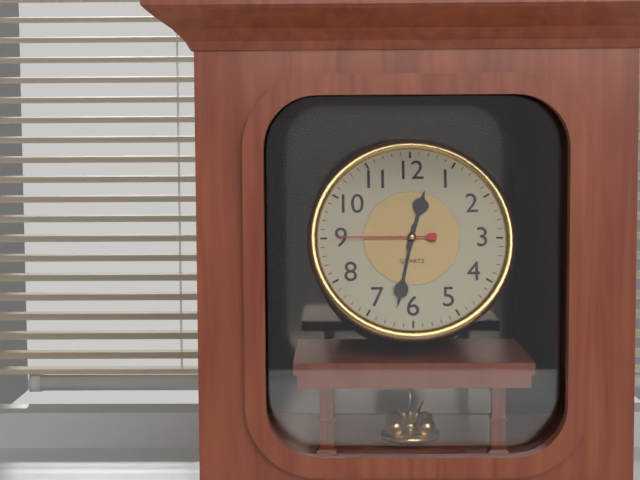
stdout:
{"hour": 12, "minute": 32, "second": 45}
